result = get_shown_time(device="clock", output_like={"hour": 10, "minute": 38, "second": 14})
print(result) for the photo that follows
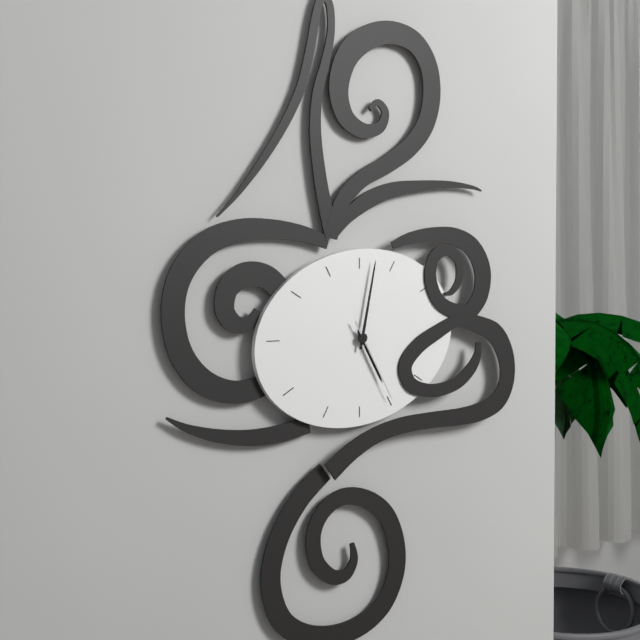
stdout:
{"hour": 5, "minute": 2, "second": 25}
